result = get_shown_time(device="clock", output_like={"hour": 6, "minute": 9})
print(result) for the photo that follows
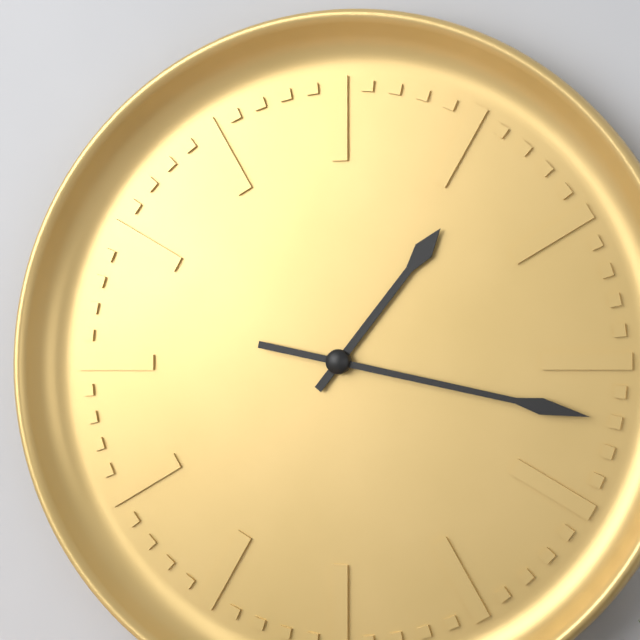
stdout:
{"hour": 1, "minute": 17}
